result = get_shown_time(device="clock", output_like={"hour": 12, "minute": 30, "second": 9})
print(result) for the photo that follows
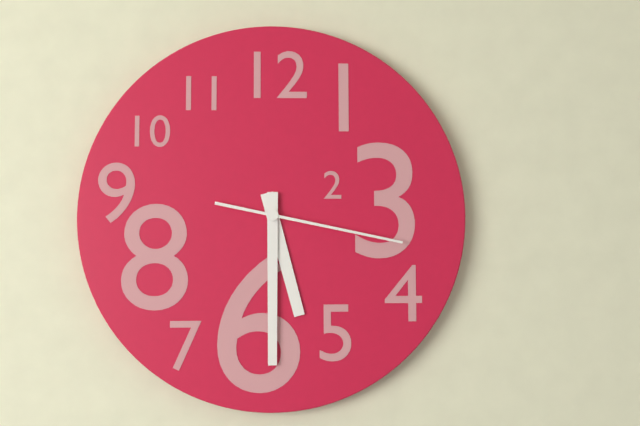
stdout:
{"hour": 5, "minute": 30, "second": 17}
